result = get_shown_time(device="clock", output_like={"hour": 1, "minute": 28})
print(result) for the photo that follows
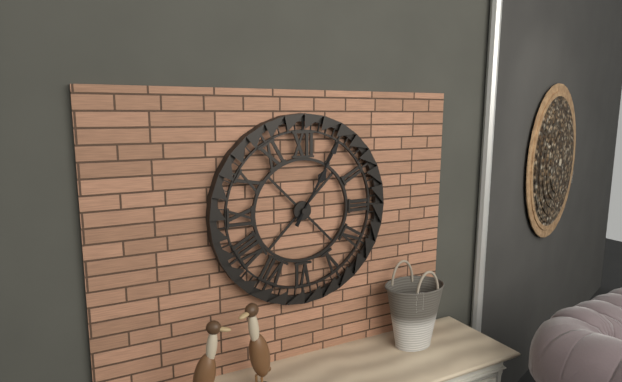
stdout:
{"hour": 1, "minute": 5}
